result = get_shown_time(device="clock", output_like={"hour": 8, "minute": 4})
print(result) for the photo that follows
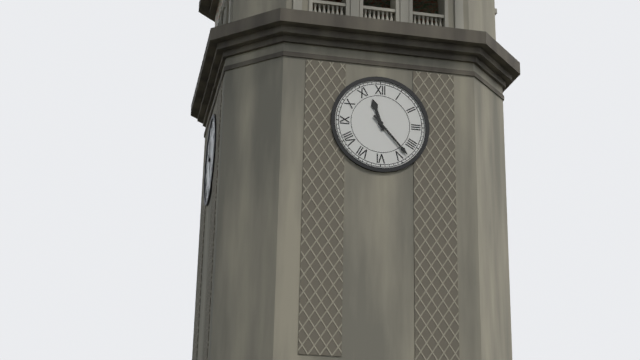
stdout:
{"hour": 11, "minute": 23}
